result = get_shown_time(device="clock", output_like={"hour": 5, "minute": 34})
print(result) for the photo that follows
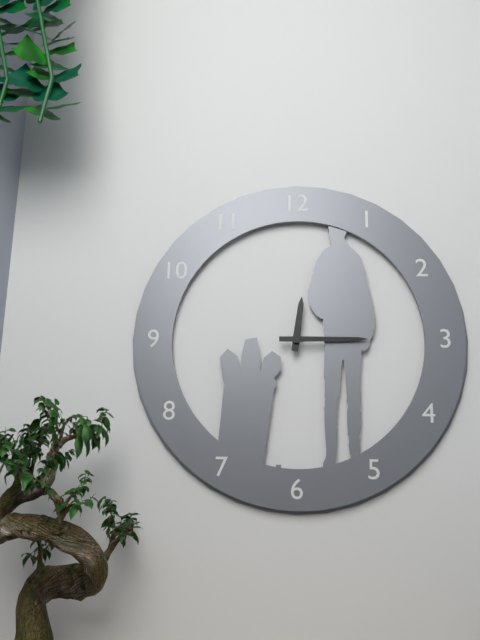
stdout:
{"hour": 12, "minute": 15}
